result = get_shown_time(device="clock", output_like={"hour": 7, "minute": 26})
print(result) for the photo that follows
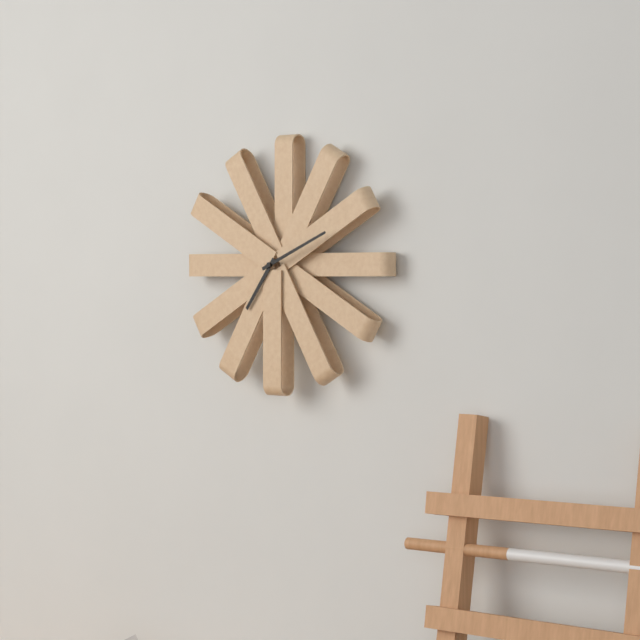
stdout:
{"hour": 7, "minute": 11}
